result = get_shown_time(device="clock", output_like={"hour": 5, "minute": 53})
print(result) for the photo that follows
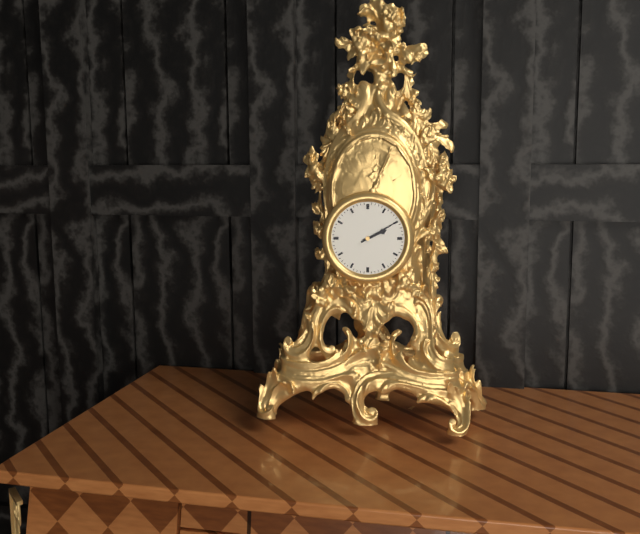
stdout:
{"hour": 2, "minute": 10}
